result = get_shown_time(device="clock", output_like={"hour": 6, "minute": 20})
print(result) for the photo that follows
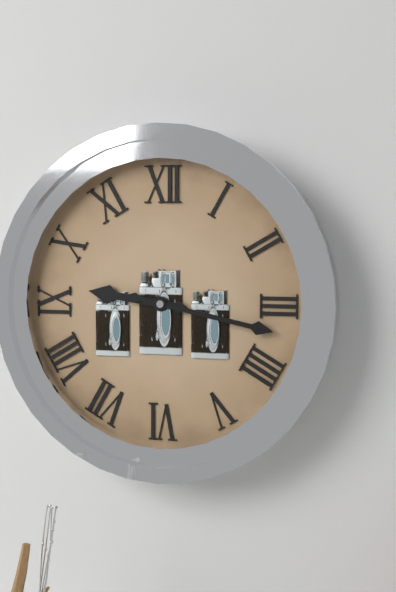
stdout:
{"hour": 9, "minute": 17}
